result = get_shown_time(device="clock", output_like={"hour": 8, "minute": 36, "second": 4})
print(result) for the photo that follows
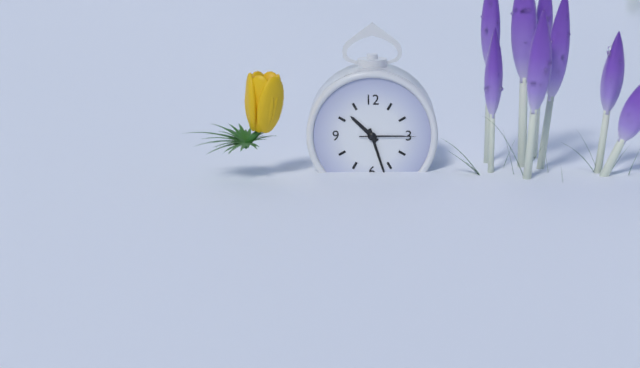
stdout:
{"hour": 10, "minute": 27, "second": 15}
